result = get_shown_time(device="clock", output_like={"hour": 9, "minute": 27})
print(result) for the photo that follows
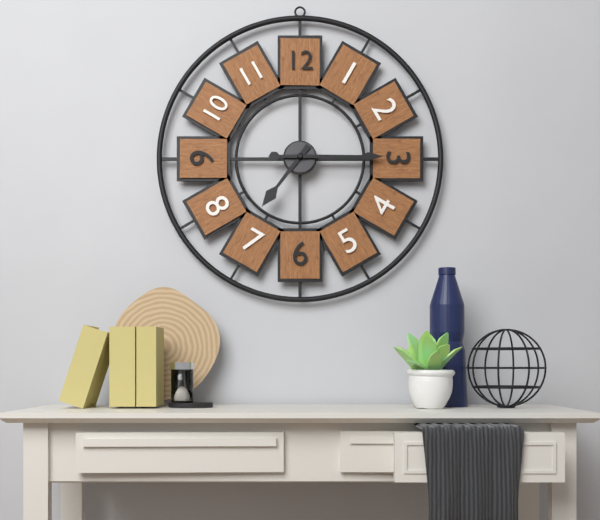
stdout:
{"hour": 7, "minute": 15}
